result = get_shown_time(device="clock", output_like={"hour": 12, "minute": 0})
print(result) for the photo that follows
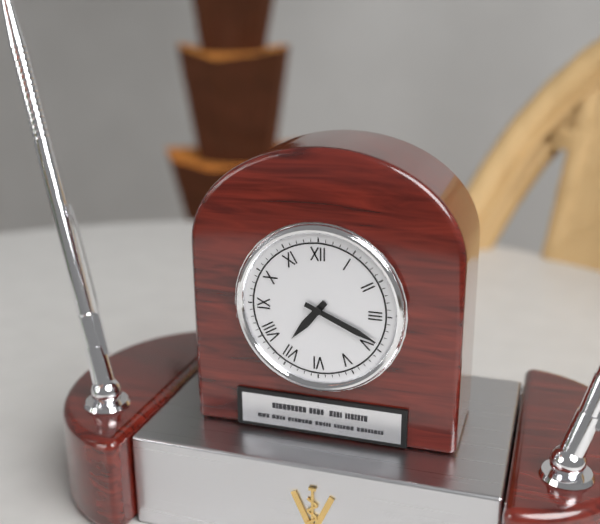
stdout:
{"hour": 7, "minute": 19}
